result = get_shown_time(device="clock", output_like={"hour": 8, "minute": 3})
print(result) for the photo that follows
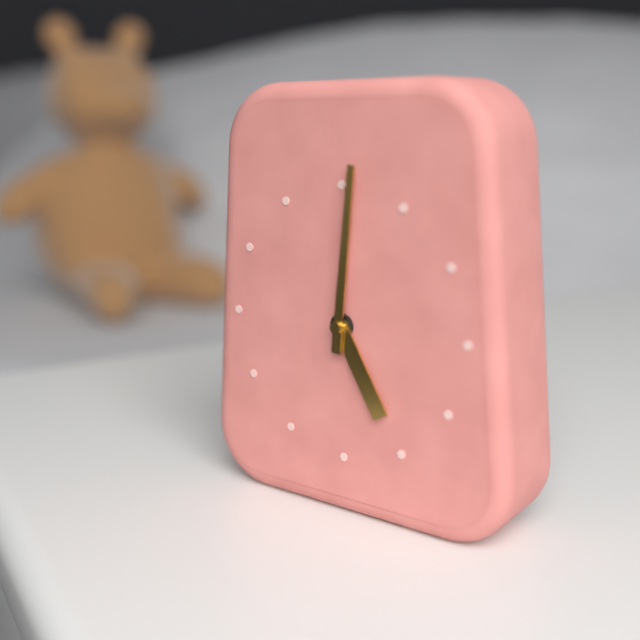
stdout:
{"hour": 5, "minute": 1}
